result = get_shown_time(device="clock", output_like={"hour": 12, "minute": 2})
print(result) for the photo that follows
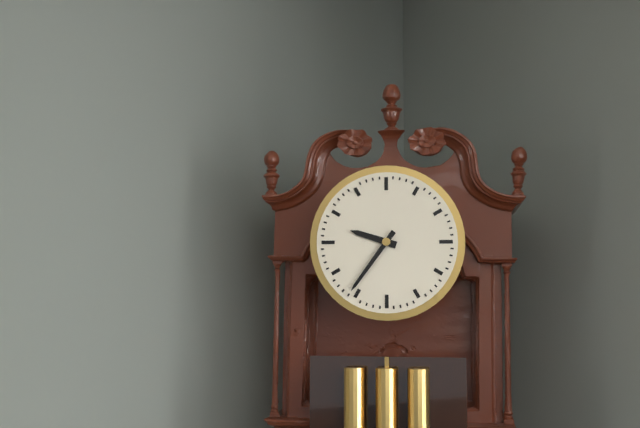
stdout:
{"hour": 9, "minute": 36}
